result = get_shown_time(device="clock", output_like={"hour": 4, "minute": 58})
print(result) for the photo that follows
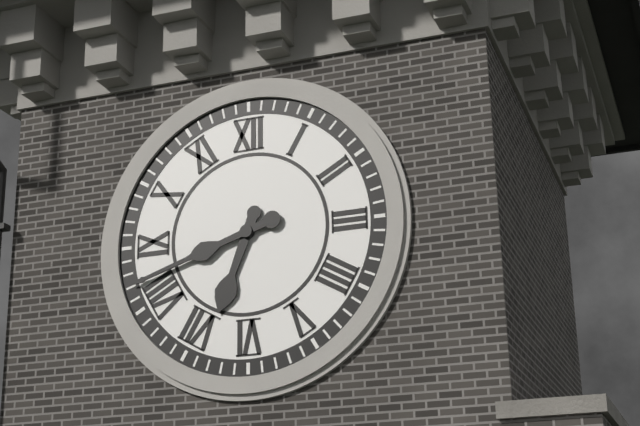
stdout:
{"hour": 6, "minute": 42}
